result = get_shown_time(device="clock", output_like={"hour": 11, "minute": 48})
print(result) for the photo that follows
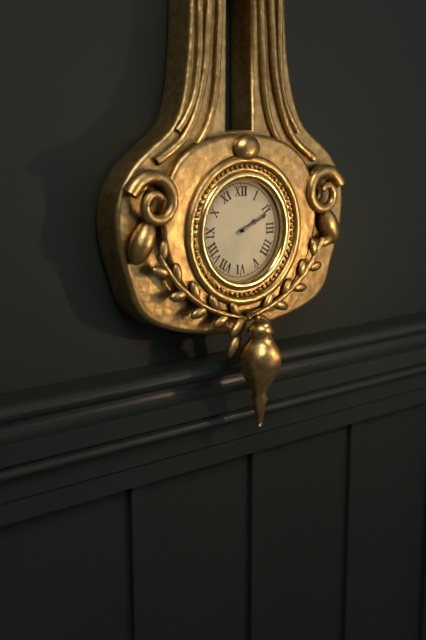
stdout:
{"hour": 2, "minute": 11}
